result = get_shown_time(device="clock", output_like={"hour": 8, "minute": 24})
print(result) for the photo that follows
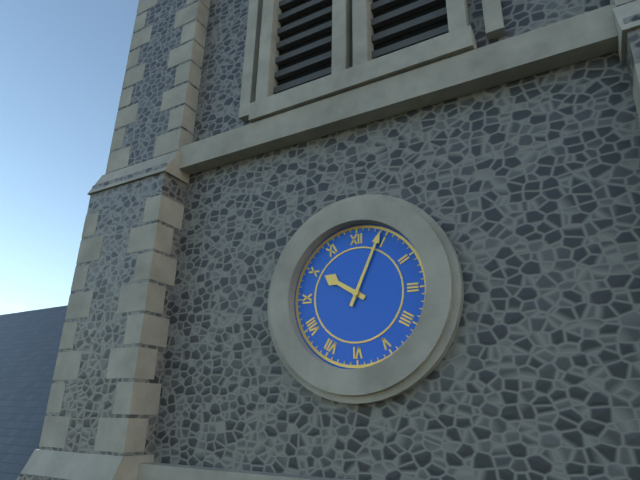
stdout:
{"hour": 10, "minute": 4}
